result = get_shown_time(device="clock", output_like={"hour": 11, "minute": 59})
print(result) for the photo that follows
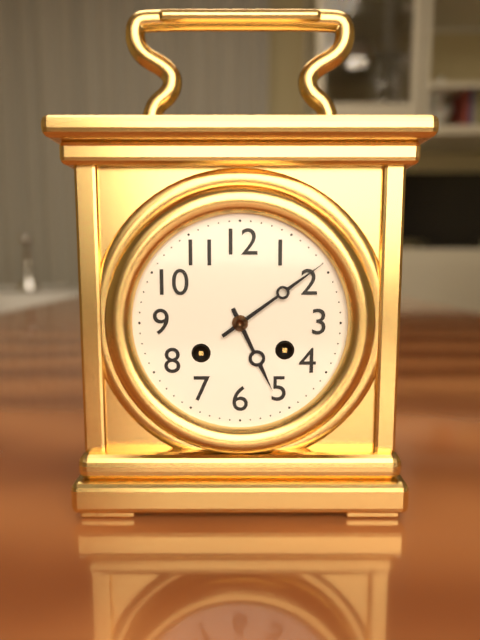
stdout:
{"hour": 5, "minute": 9}
